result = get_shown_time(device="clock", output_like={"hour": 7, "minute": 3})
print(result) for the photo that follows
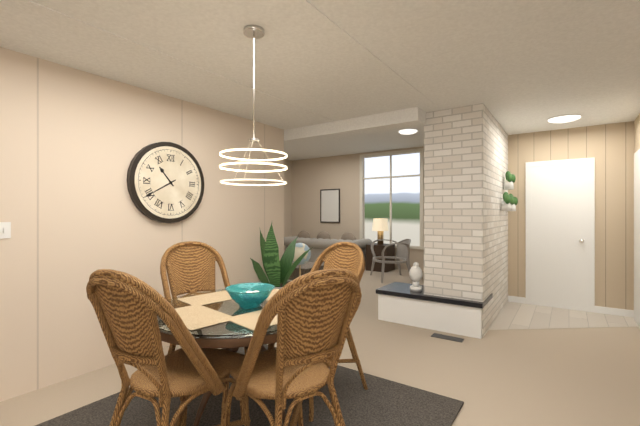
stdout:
{"hour": 10, "minute": 40}
